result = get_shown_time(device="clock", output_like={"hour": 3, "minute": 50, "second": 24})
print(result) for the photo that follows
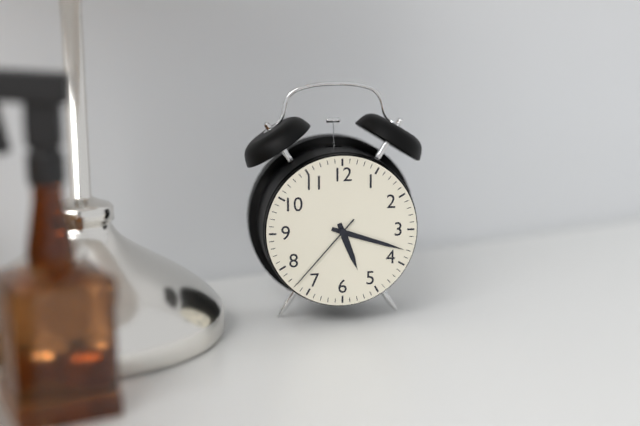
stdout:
{"hour": 5, "minute": 18, "second": 37}
